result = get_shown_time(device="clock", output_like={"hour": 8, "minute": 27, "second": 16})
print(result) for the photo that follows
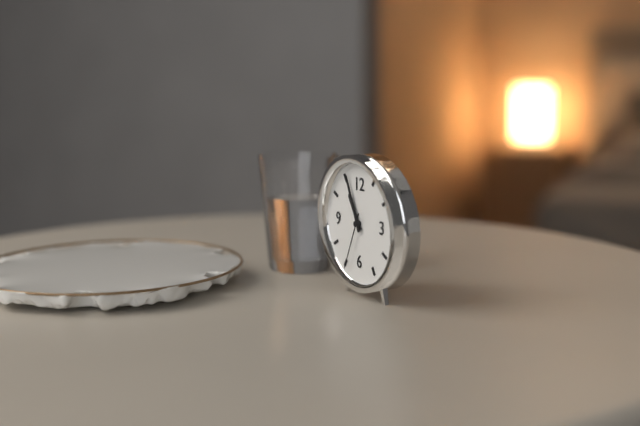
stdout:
{"hour": 10, "minute": 56, "second": 34}
